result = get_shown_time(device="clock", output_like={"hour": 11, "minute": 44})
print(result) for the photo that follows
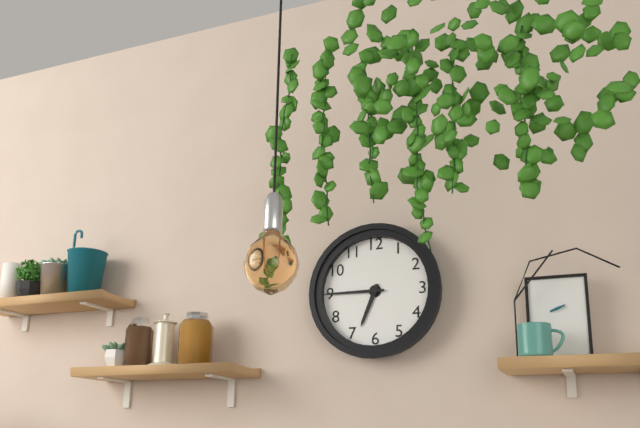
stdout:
{"hour": 6, "minute": 45}
